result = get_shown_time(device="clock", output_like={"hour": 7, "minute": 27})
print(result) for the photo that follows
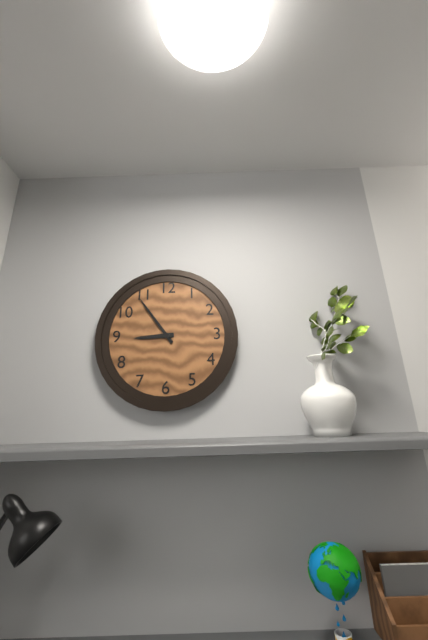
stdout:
{"hour": 8, "minute": 54}
